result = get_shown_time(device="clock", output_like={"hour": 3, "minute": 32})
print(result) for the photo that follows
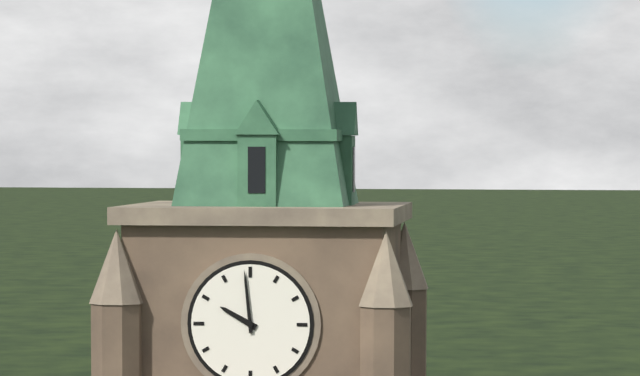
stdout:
{"hour": 9, "minute": 59}
